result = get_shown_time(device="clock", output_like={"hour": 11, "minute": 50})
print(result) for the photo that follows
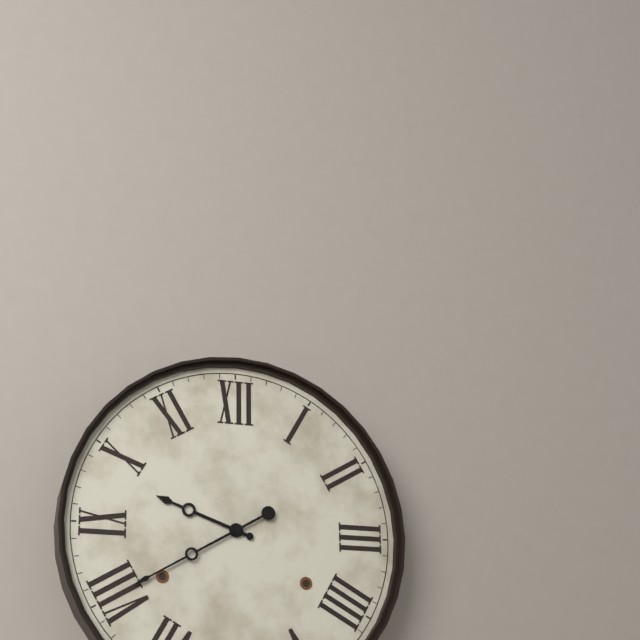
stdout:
{"hour": 9, "minute": 40}
